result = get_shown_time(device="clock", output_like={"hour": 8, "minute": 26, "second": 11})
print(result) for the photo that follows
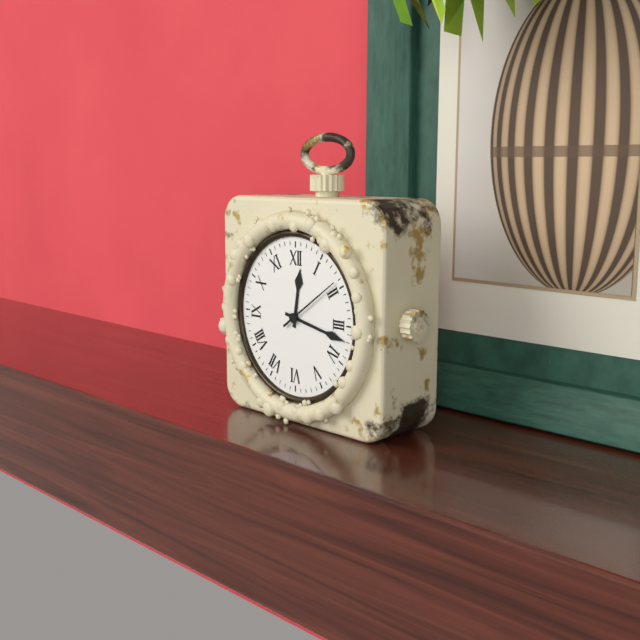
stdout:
{"hour": 12, "minute": 17, "second": 9}
